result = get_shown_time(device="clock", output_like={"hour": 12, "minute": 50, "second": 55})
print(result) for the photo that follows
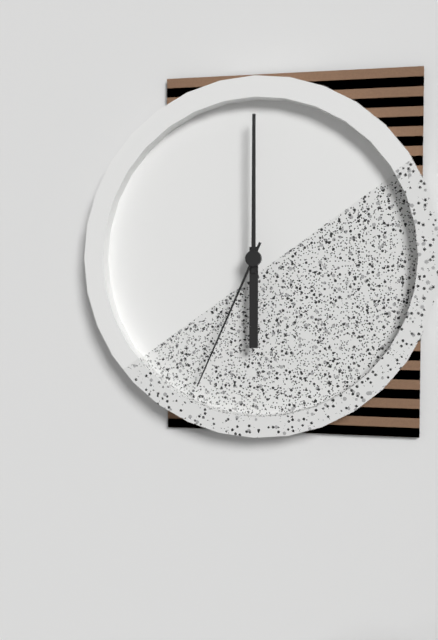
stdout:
{"hour": 6, "minute": 0, "second": 34}
